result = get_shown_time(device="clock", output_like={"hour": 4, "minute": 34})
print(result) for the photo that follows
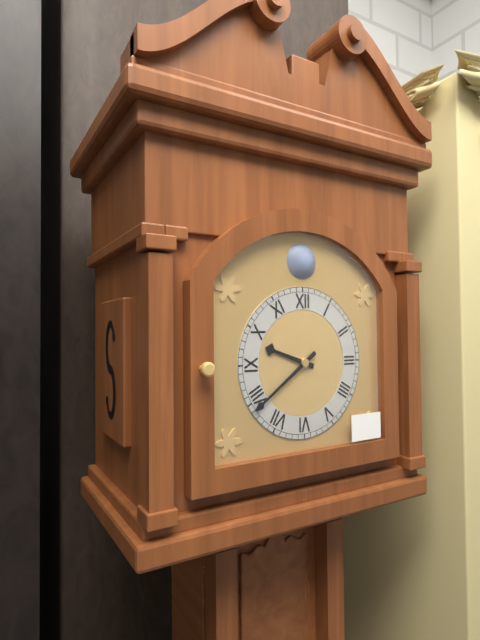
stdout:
{"hour": 9, "minute": 39}
